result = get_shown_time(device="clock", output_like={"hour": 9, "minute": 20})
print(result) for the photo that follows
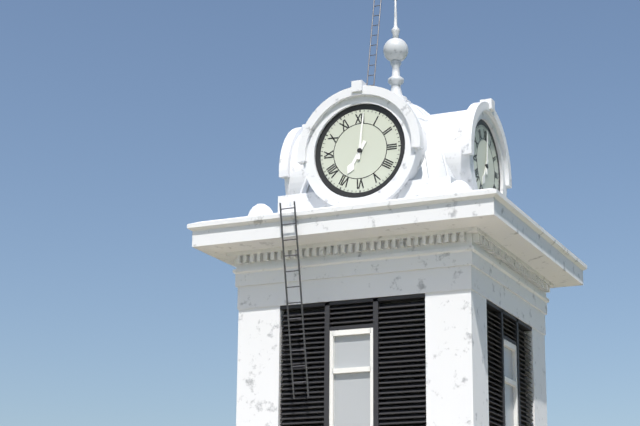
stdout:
{"hour": 7, "minute": 1}
